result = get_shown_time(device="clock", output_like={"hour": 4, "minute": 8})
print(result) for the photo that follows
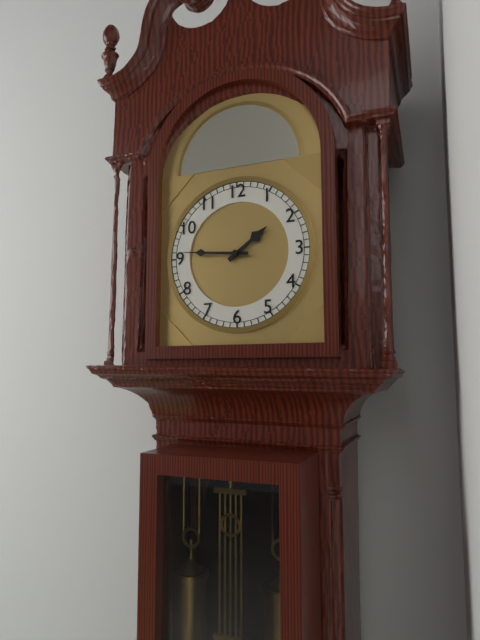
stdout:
{"hour": 1, "minute": 46}
